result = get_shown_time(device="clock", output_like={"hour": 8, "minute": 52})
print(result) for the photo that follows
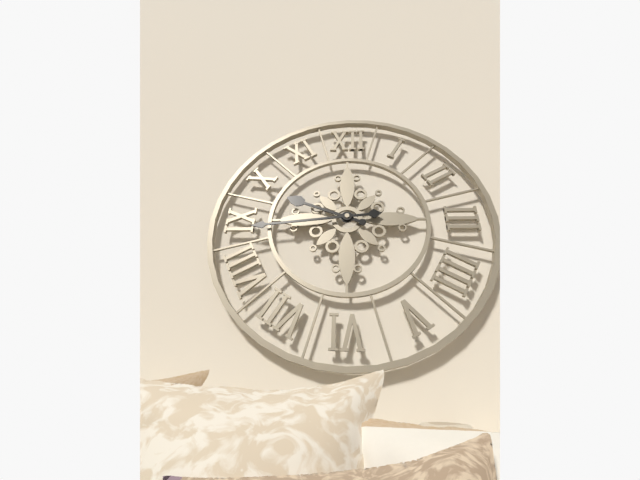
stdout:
{"hour": 9, "minute": 44}
